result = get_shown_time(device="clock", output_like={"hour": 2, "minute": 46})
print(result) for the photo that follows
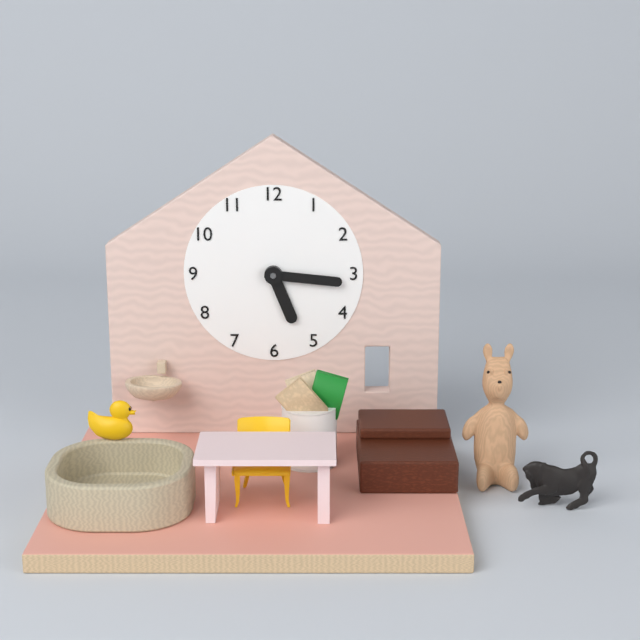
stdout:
{"hour": 5, "minute": 16}
